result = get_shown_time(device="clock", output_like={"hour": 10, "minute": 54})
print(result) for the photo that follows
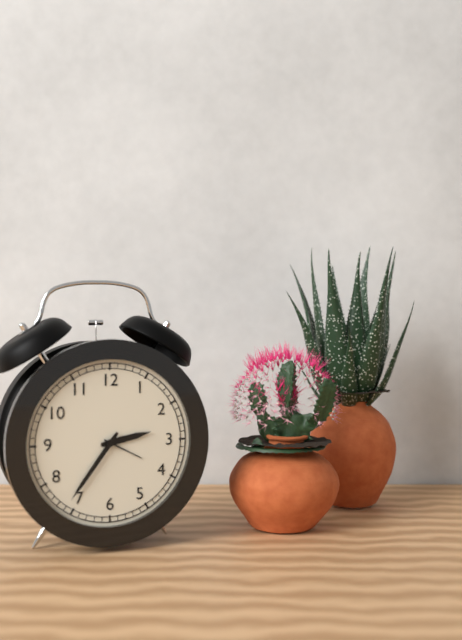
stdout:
{"hour": 2, "minute": 36}
